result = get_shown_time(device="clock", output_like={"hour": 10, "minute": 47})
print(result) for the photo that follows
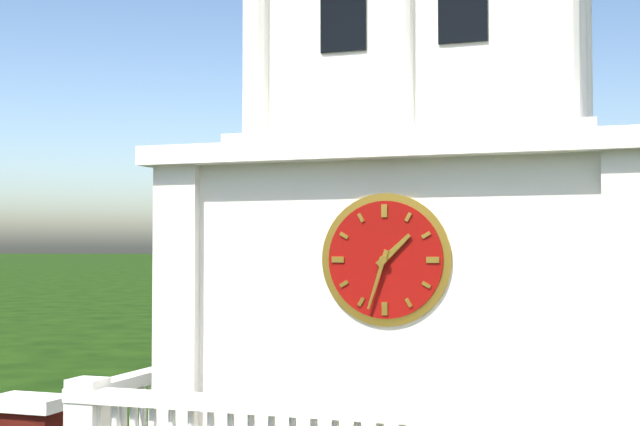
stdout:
{"hour": 1, "minute": 33}
